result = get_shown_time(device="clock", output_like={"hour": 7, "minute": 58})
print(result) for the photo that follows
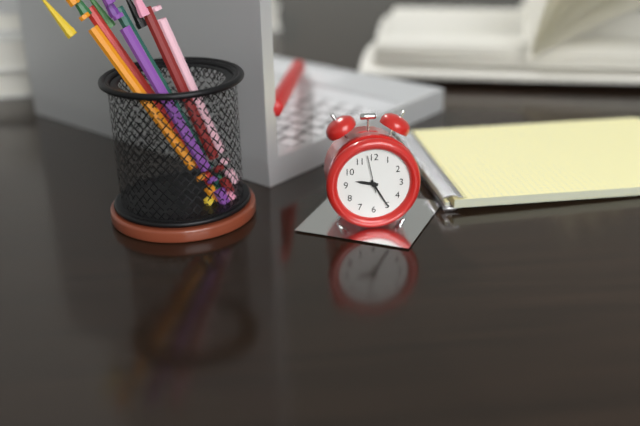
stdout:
{"hour": 9, "minute": 25}
